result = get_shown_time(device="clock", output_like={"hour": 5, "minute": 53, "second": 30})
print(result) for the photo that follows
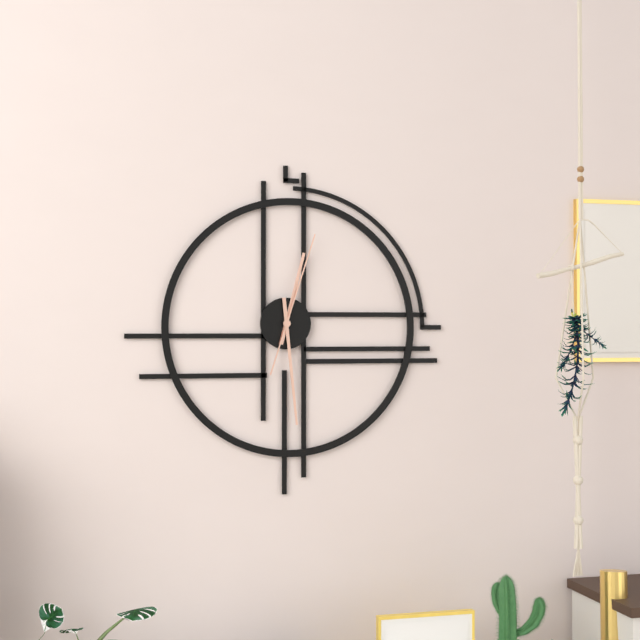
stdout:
{"hour": 12, "minute": 29, "second": 3}
